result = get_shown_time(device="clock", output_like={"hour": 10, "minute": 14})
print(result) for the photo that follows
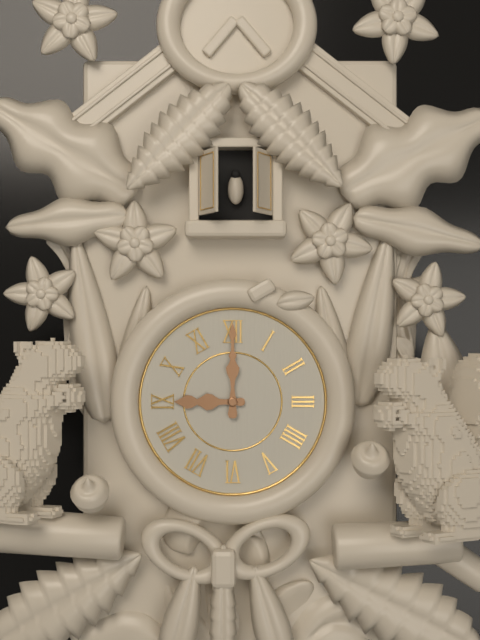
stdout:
{"hour": 9, "minute": 0}
